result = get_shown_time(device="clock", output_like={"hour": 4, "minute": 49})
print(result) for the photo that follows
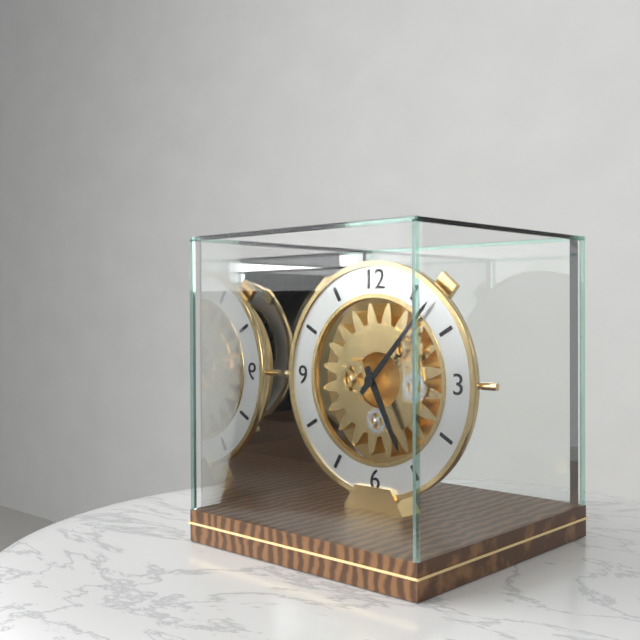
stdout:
{"hour": 5, "minute": 7}
